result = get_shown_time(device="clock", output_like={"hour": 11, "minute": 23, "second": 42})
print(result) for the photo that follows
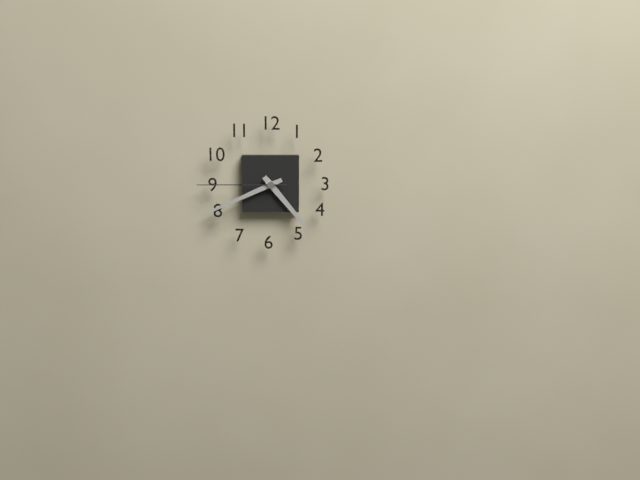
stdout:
{"hour": 4, "minute": 41, "second": 45}
